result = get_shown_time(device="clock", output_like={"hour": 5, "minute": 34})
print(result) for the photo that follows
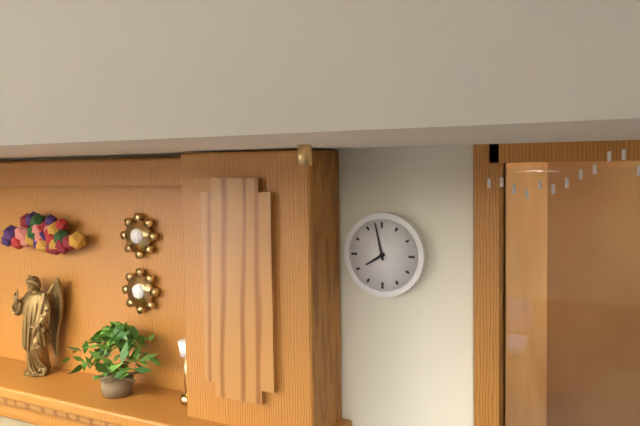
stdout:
{"hour": 7, "minute": 58}
